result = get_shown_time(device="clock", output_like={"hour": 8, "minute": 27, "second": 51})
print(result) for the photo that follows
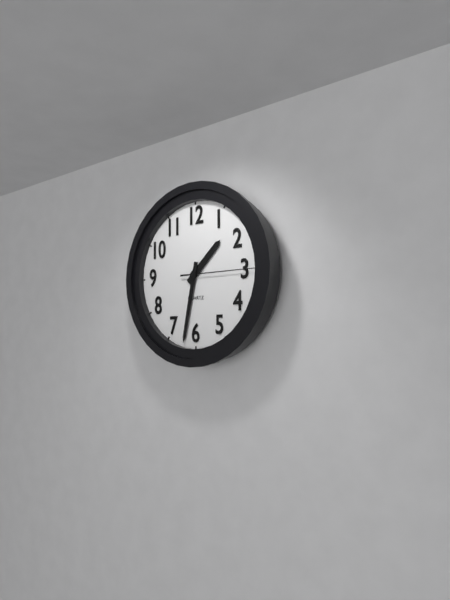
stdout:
{"hour": 1, "minute": 32, "second": 15}
